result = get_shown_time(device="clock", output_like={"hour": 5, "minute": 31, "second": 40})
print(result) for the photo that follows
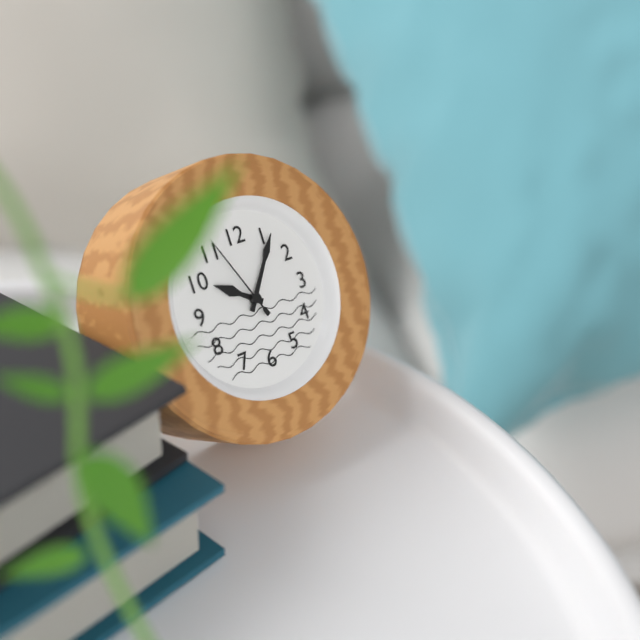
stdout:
{"hour": 10, "minute": 6, "second": 56}
